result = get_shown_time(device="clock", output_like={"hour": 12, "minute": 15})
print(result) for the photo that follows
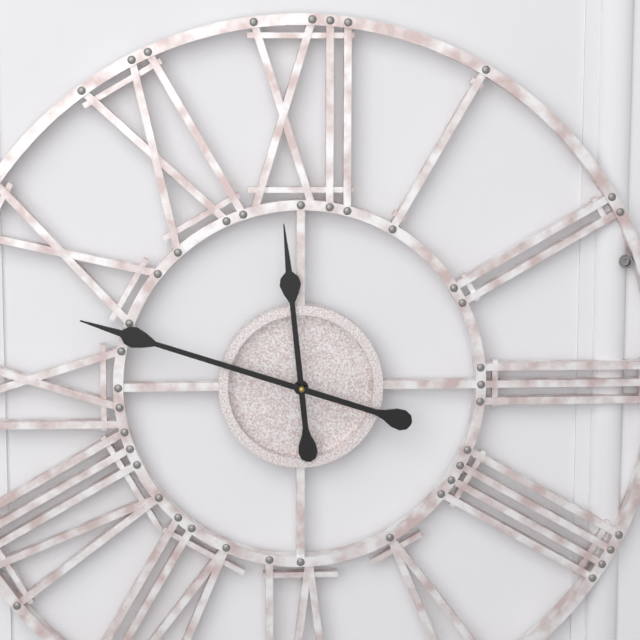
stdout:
{"hour": 11, "minute": 48}
